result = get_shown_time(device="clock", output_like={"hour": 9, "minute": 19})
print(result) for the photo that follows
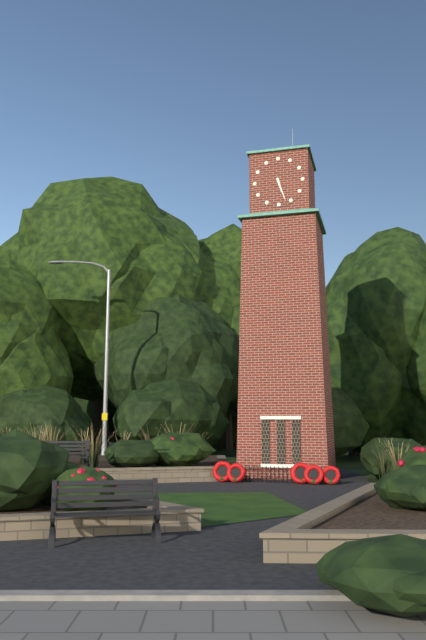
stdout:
{"hour": 5, "minute": 27}
